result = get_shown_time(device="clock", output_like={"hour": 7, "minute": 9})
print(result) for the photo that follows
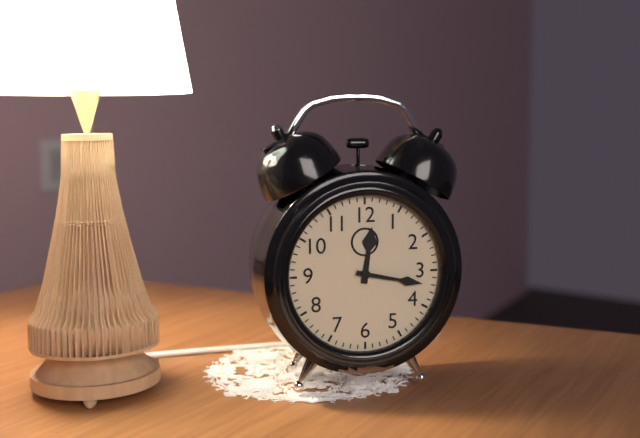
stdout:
{"hour": 12, "minute": 17}
